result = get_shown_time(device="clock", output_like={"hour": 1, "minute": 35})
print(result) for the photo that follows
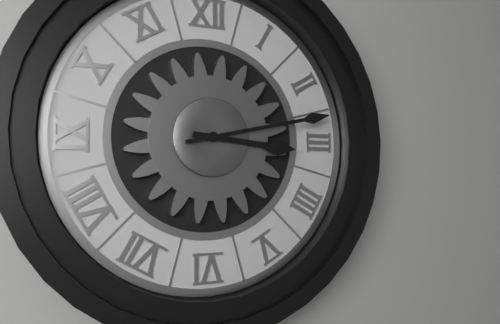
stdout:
{"hour": 3, "minute": 13}
